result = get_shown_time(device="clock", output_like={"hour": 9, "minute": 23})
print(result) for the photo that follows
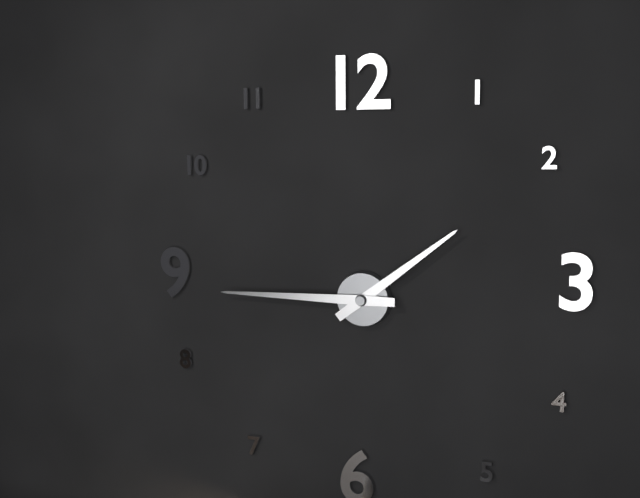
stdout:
{"hour": 1, "minute": 45}
